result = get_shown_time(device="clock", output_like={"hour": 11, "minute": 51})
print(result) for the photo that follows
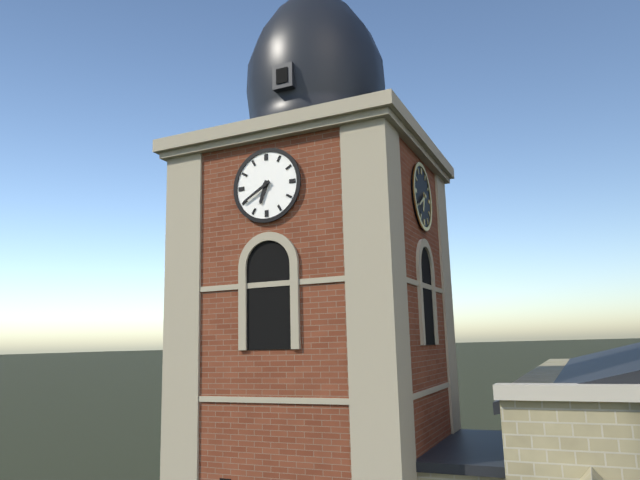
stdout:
{"hour": 6, "minute": 40}
